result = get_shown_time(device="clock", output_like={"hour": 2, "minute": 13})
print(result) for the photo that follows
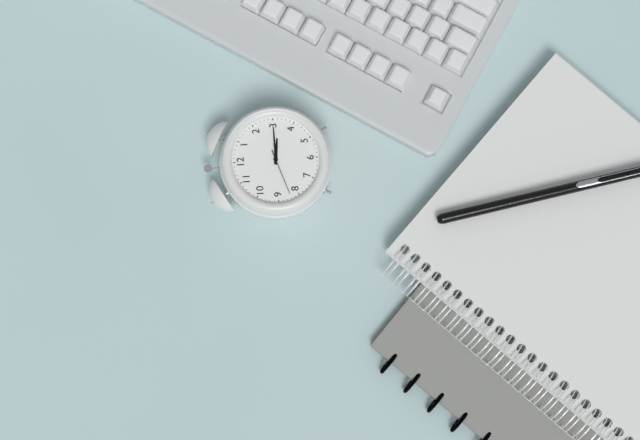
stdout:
{"hour": 3, "minute": 15}
